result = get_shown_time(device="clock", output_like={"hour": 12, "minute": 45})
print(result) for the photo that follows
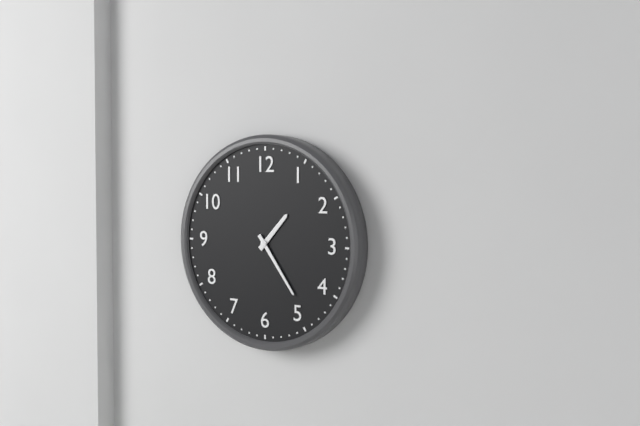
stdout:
{"hour": 1, "minute": 24}
